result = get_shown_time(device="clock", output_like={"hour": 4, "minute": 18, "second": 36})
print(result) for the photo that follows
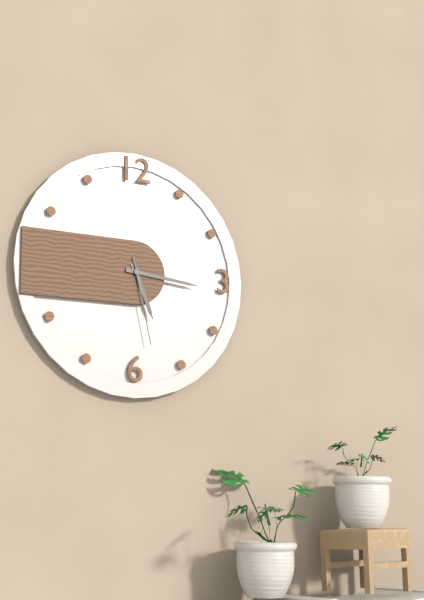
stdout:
{"hour": 5, "minute": 16, "second": 28}
